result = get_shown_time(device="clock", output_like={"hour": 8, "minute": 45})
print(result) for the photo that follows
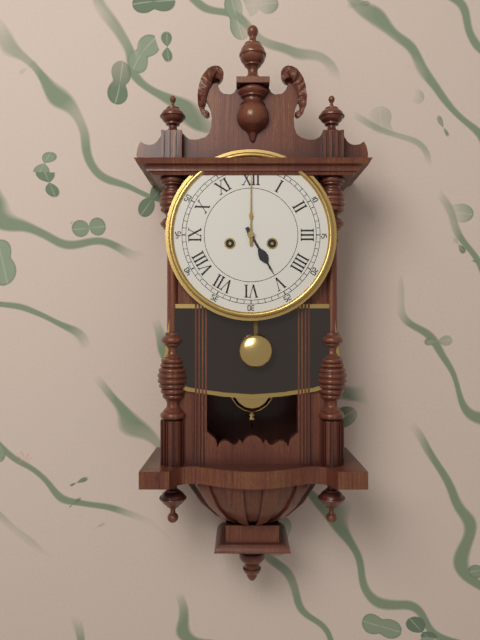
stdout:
{"hour": 5, "minute": 0}
